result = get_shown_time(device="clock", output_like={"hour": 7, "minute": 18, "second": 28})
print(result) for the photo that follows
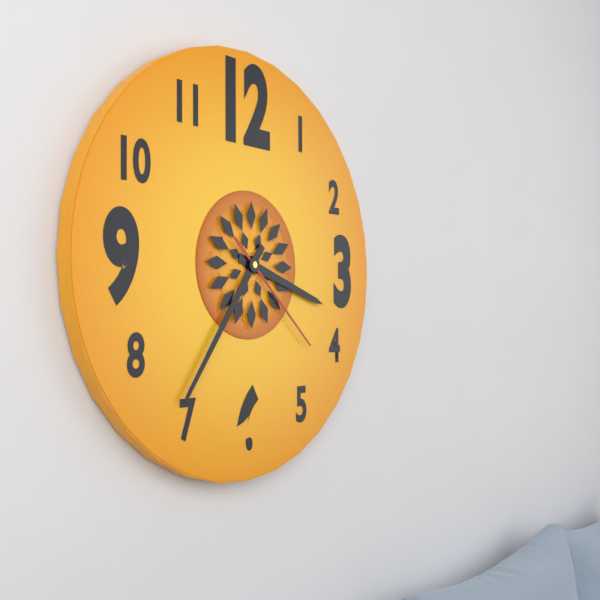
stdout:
{"hour": 3, "minute": 36, "second": 22}
